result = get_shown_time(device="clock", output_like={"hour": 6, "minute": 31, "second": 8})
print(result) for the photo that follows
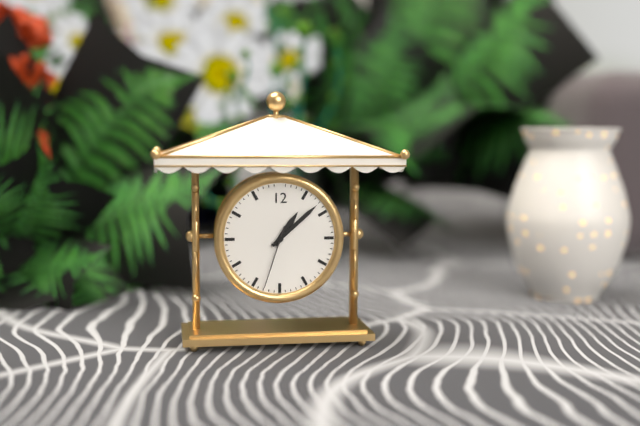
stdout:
{"hour": 1, "minute": 8, "second": 33}
